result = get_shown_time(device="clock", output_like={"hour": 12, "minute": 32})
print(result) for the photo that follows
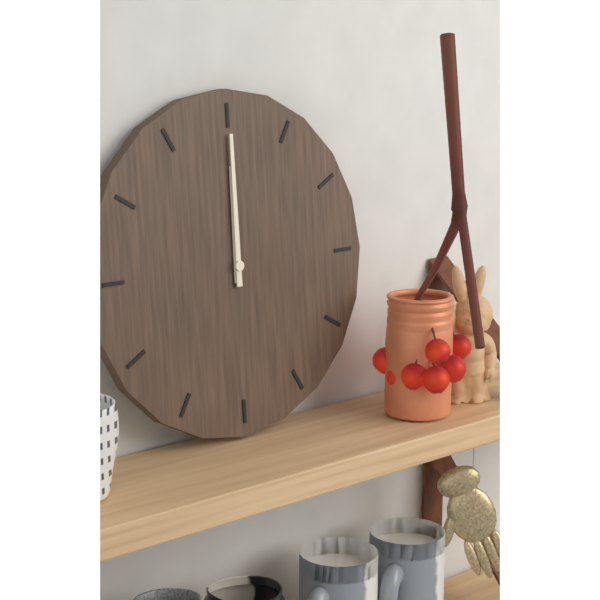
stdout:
{"hour": 12, "minute": 0}
